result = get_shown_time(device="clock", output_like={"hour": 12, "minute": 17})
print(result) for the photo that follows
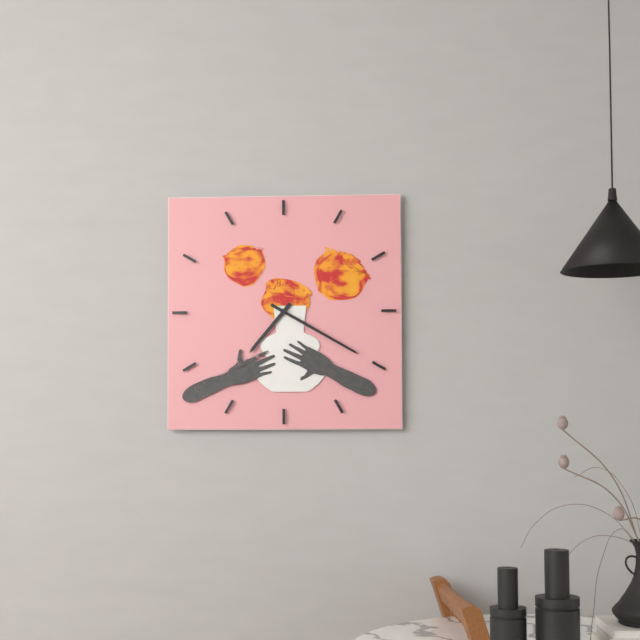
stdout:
{"hour": 7, "minute": 20}
